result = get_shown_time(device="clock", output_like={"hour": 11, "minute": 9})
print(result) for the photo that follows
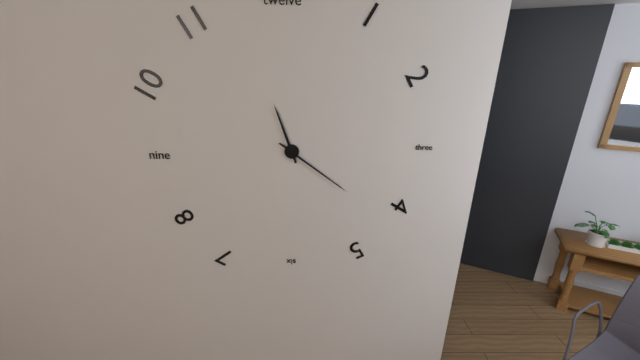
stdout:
{"hour": 11, "minute": 21}
